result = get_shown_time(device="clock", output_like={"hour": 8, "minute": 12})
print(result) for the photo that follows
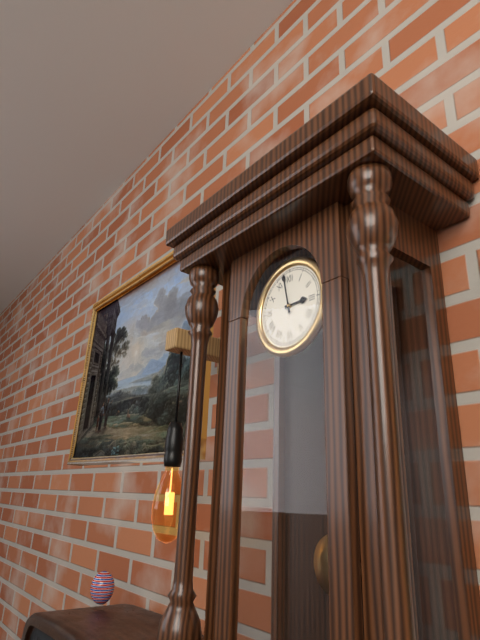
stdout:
{"hour": 2, "minute": 58}
